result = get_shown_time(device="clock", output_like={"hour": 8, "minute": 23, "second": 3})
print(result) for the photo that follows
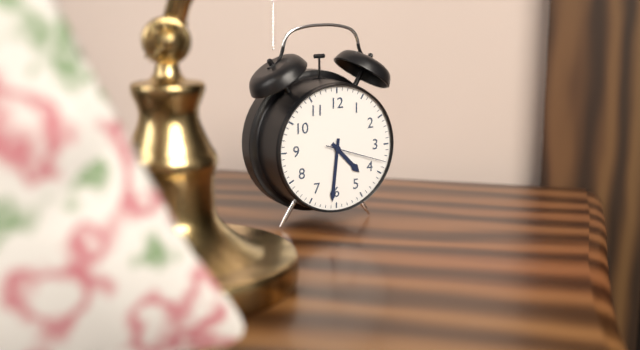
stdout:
{"hour": 4, "minute": 31, "second": 18}
